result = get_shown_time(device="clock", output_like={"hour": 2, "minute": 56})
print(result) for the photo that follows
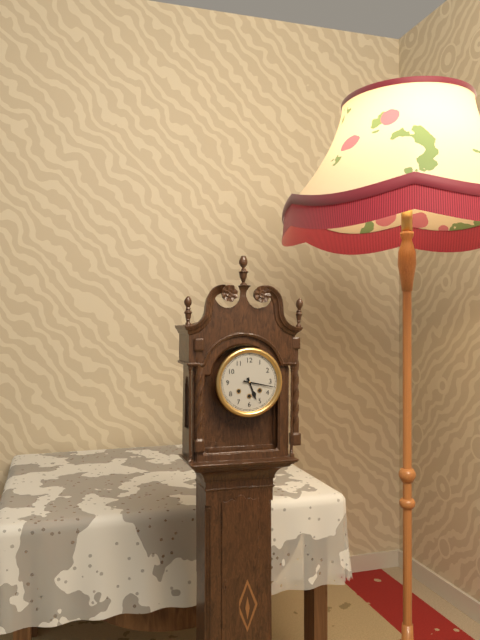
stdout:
{"hour": 5, "minute": 17}
